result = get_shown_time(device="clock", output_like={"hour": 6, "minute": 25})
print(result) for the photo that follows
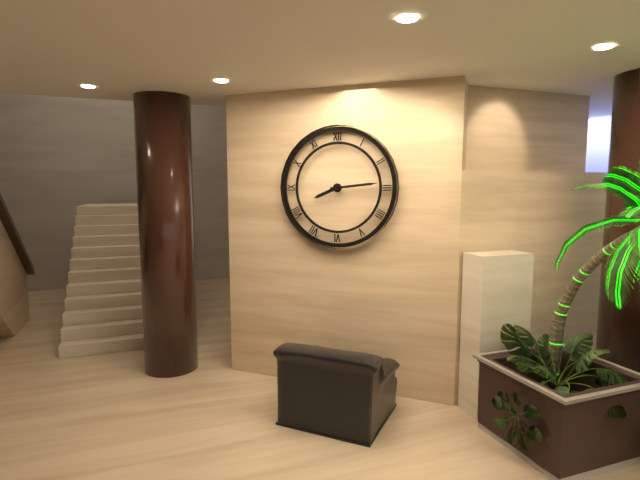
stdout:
{"hour": 8, "minute": 14}
